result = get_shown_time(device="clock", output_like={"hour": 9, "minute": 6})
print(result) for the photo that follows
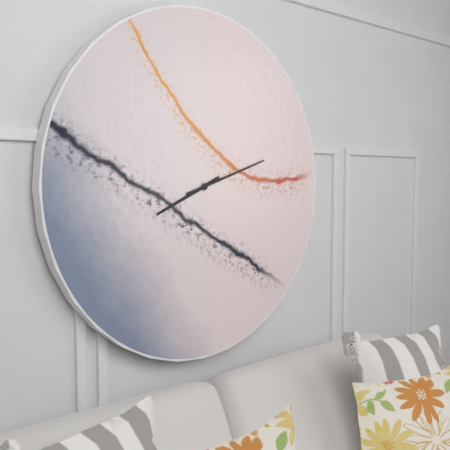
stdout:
{"hour": 8, "minute": 12}
